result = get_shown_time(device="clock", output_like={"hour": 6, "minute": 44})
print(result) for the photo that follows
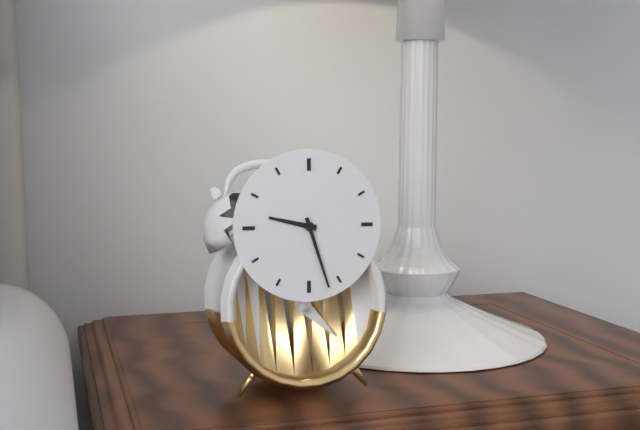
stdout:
{"hour": 9, "minute": 27}
